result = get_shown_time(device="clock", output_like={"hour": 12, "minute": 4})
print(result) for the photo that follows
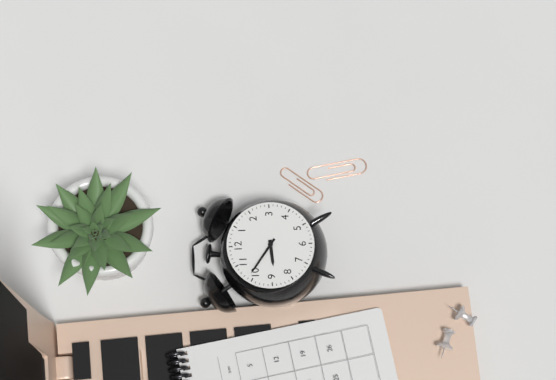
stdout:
{"hour": 8, "minute": 51}
